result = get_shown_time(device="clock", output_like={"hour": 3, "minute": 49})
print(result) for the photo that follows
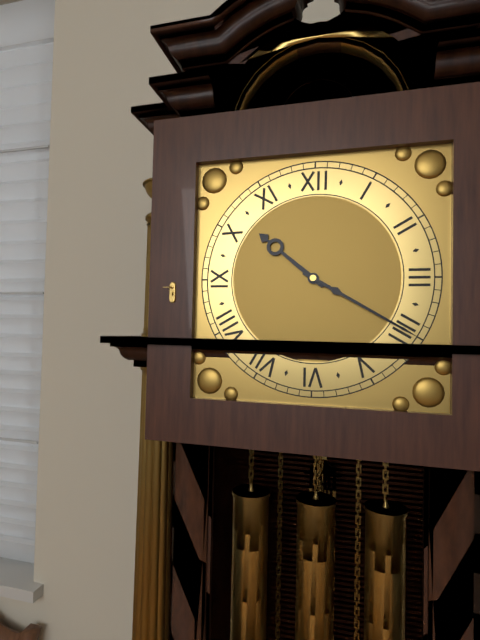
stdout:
{"hour": 10, "minute": 20}
